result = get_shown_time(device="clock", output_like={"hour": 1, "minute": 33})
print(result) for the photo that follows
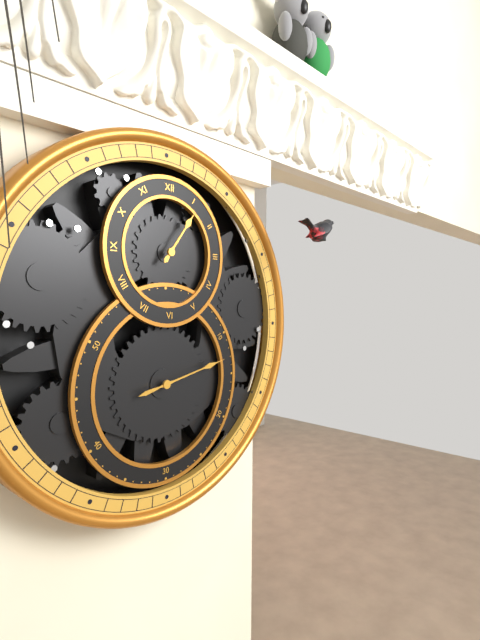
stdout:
{"hour": 1, "minute": 13}
